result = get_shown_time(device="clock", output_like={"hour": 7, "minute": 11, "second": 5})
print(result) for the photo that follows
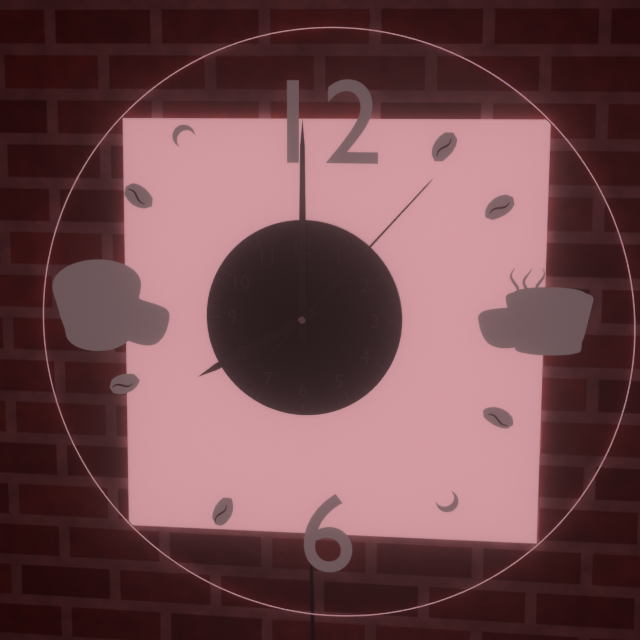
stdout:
{"hour": 8, "minute": 0, "second": 7}
